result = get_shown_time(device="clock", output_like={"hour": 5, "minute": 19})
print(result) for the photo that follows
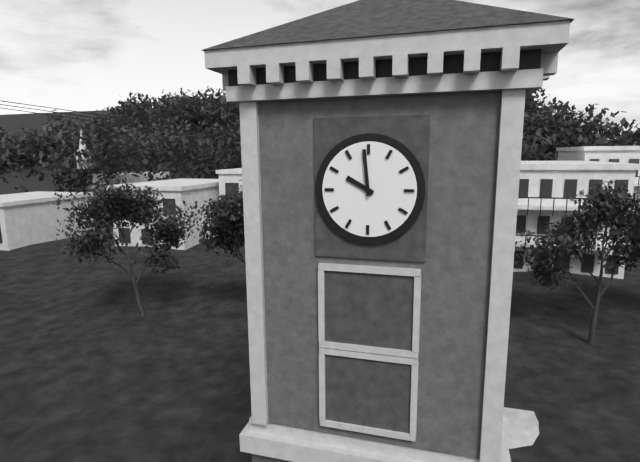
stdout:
{"hour": 9, "minute": 59}
